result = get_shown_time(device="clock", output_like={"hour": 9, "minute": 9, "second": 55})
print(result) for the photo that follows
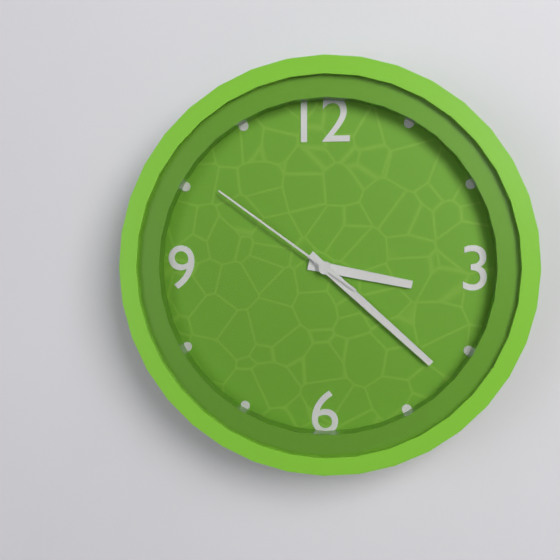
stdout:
{"hour": 3, "minute": 22, "second": 51}
